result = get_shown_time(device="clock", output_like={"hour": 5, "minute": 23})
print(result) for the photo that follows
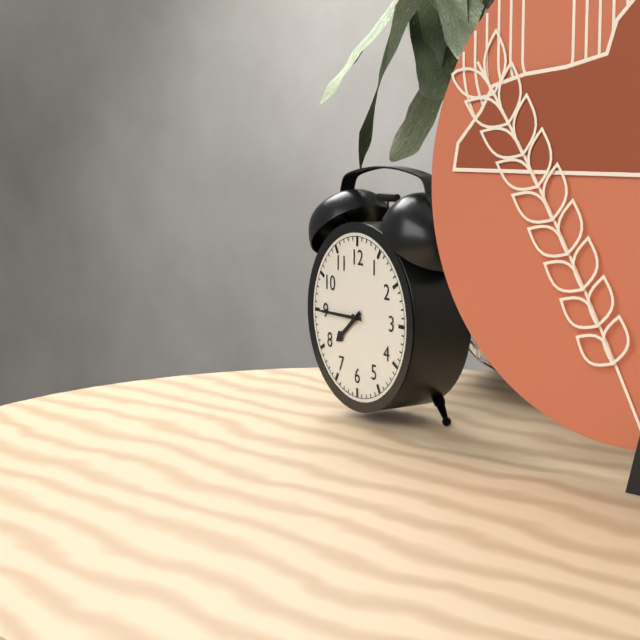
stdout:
{"hour": 7, "minute": 45}
